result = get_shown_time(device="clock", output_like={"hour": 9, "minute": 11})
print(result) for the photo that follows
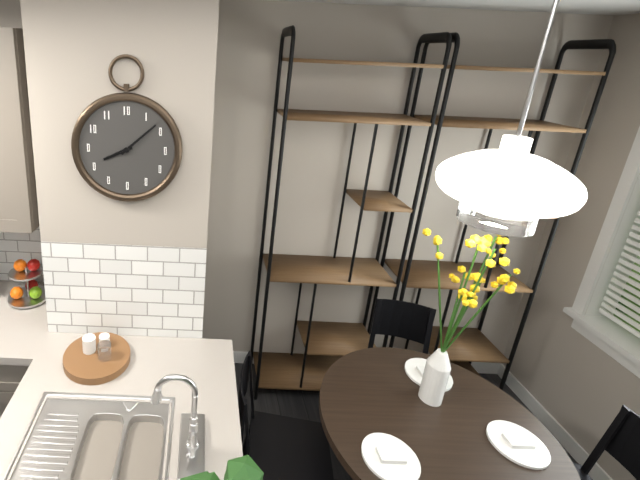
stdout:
{"hour": 8, "minute": 8}
